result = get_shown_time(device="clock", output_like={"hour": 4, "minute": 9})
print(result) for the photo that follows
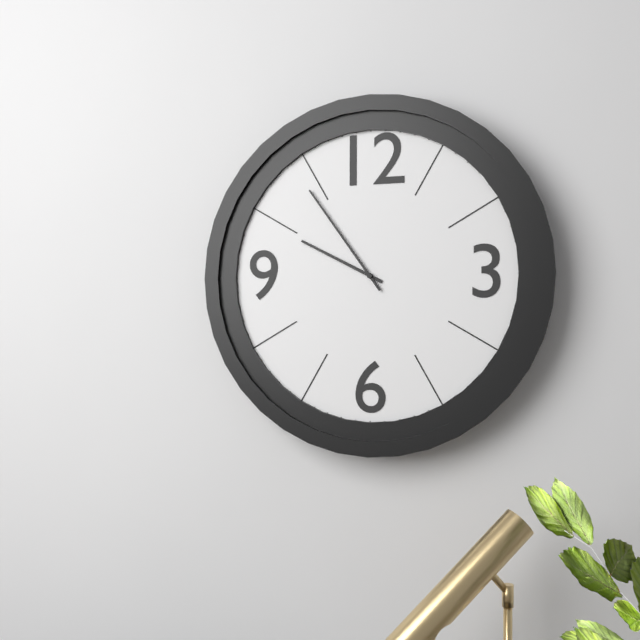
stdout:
{"hour": 9, "minute": 54}
